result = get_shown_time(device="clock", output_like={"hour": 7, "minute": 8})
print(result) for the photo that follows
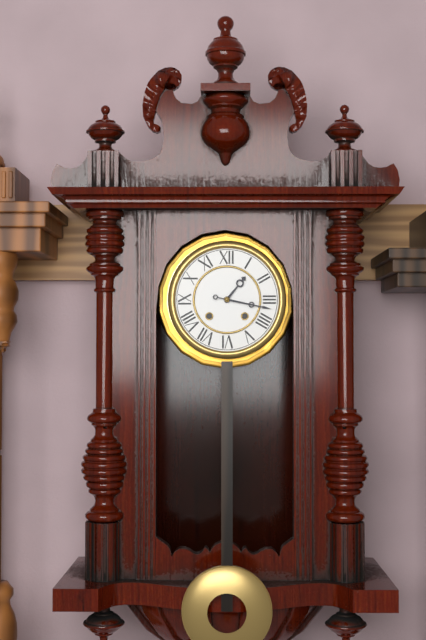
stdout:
{"hour": 1, "minute": 17}
